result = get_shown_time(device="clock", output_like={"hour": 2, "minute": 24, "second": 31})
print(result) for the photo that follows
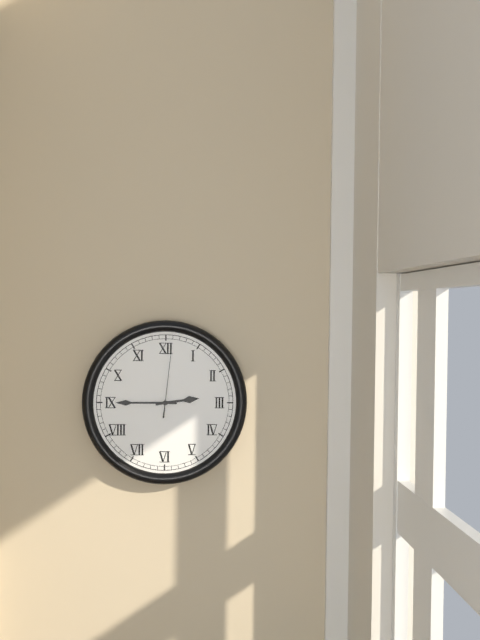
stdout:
{"hour": 2, "minute": 45, "second": 1}
